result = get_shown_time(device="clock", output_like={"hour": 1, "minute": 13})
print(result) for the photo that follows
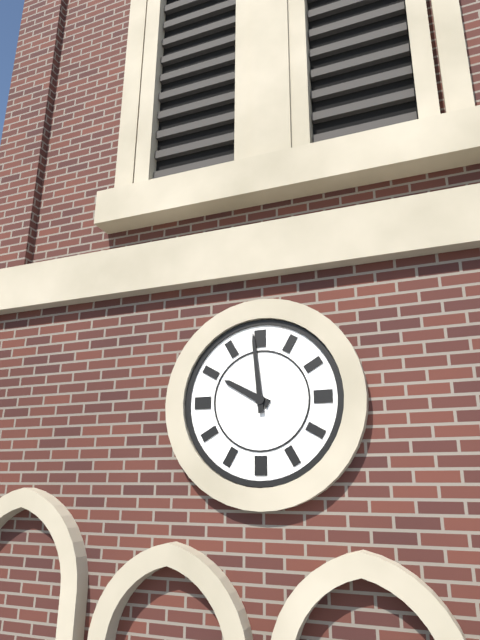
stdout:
{"hour": 9, "minute": 59}
